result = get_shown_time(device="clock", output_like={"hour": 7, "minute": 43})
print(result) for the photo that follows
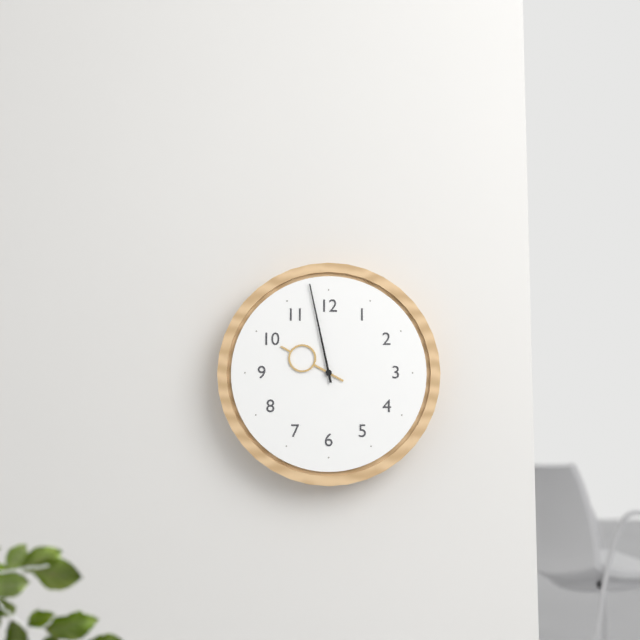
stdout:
{"hour": 9, "minute": 58}
